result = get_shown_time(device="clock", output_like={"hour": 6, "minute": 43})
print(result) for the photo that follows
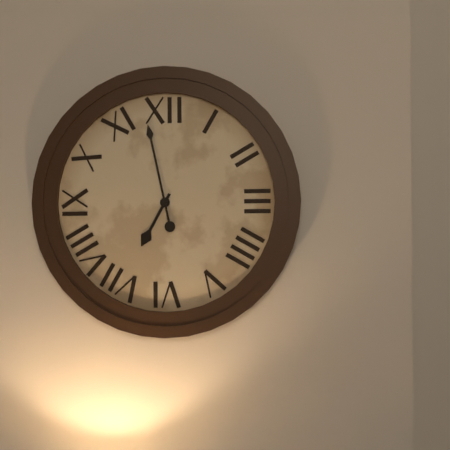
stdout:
{"hour": 6, "minute": 58}
